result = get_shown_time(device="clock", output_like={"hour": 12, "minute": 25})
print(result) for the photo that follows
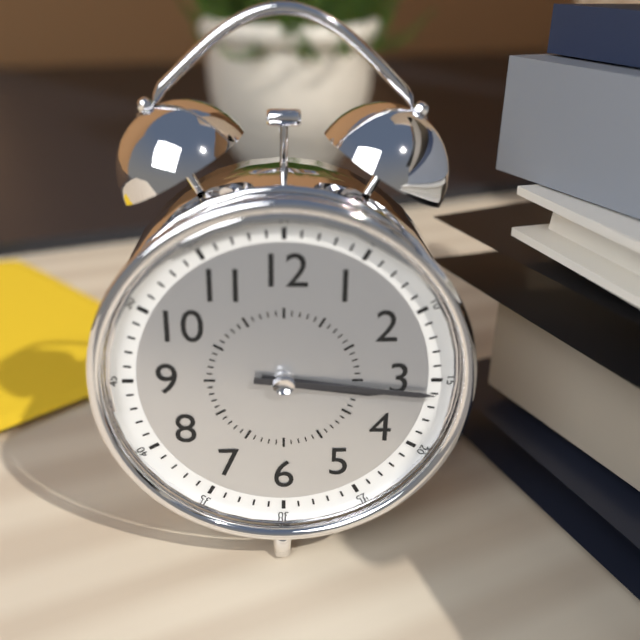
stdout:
{"hour": 3, "minute": 16}
